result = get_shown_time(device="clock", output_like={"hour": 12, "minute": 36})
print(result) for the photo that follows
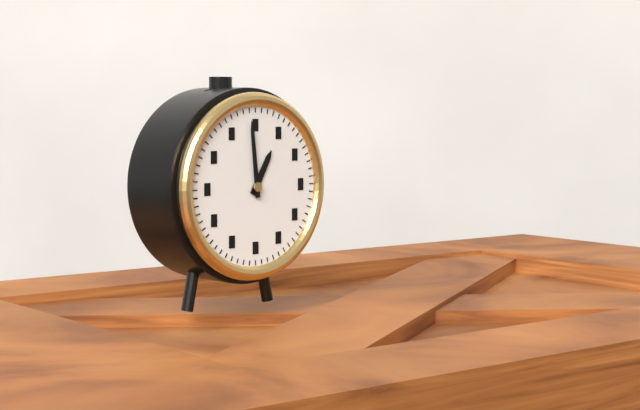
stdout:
{"hour": 12, "minute": 59}
